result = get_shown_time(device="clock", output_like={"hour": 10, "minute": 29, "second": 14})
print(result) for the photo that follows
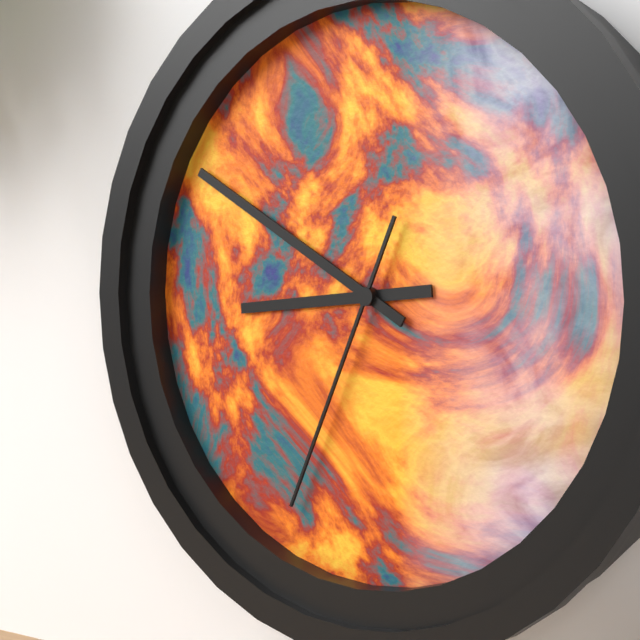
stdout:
{"hour": 8, "minute": 50, "second": 34}
